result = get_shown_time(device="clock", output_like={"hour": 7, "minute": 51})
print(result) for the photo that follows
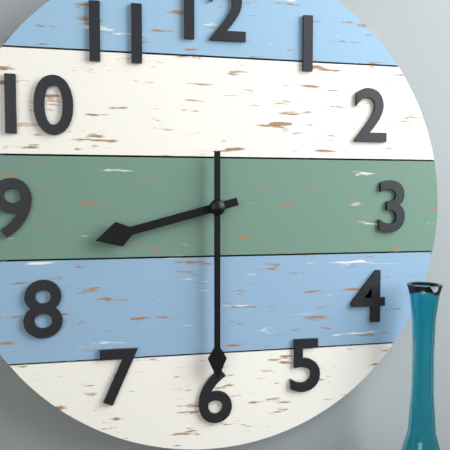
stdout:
{"hour": 8, "minute": 30}
